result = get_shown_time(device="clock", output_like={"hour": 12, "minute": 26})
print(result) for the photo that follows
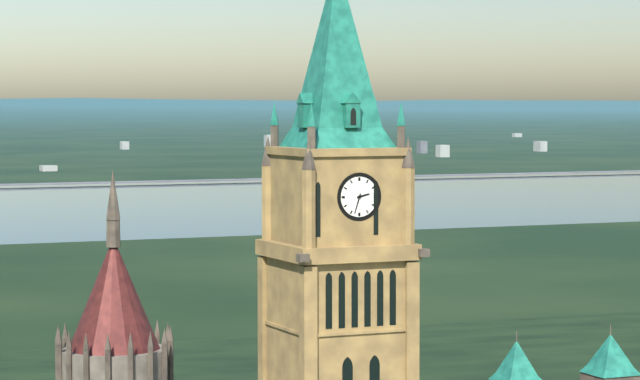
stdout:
{"hour": 2, "minute": 33}
